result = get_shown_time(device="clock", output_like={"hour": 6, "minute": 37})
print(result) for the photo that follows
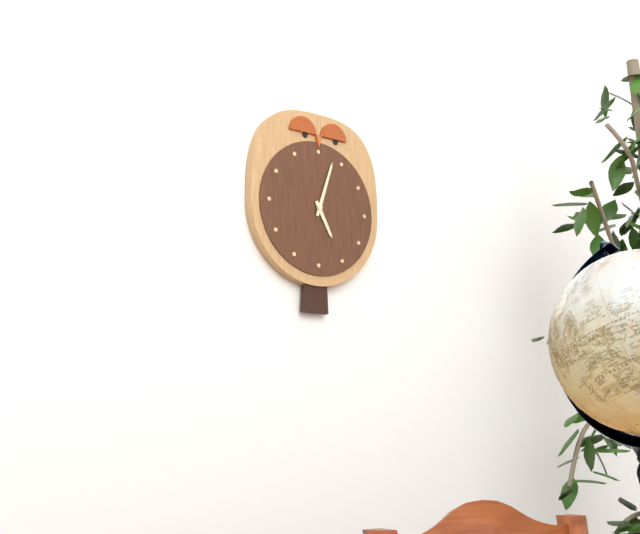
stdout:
{"hour": 5, "minute": 3}
